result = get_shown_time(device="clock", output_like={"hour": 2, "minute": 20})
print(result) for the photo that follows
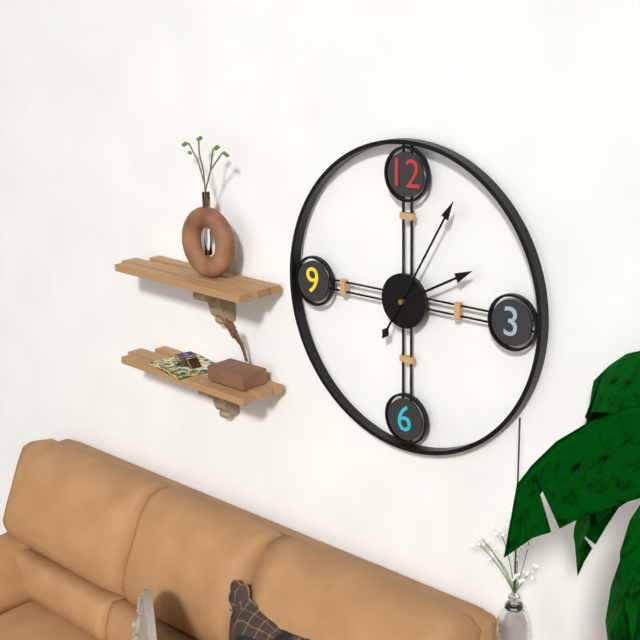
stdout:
{"hour": 2, "minute": 5}
